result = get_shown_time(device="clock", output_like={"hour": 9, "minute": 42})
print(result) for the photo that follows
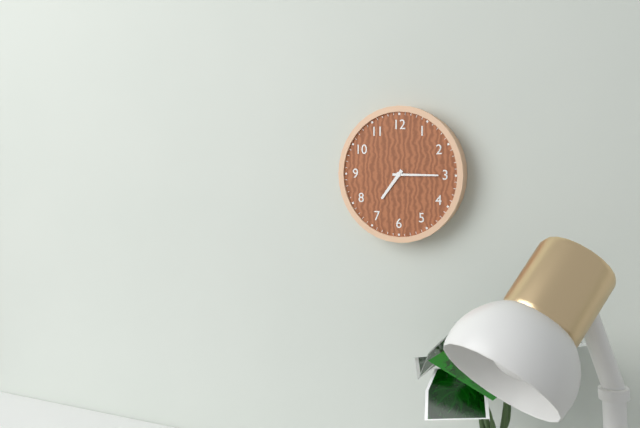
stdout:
{"hour": 7, "minute": 15}
